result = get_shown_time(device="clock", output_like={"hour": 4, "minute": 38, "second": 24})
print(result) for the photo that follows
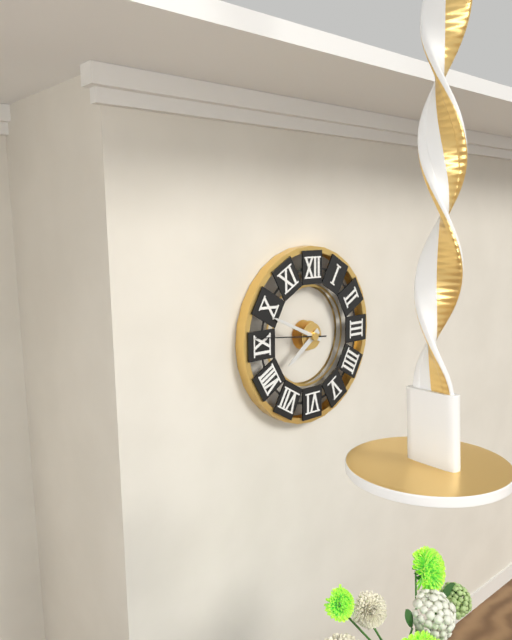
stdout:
{"hour": 7, "minute": 49, "second": 46}
